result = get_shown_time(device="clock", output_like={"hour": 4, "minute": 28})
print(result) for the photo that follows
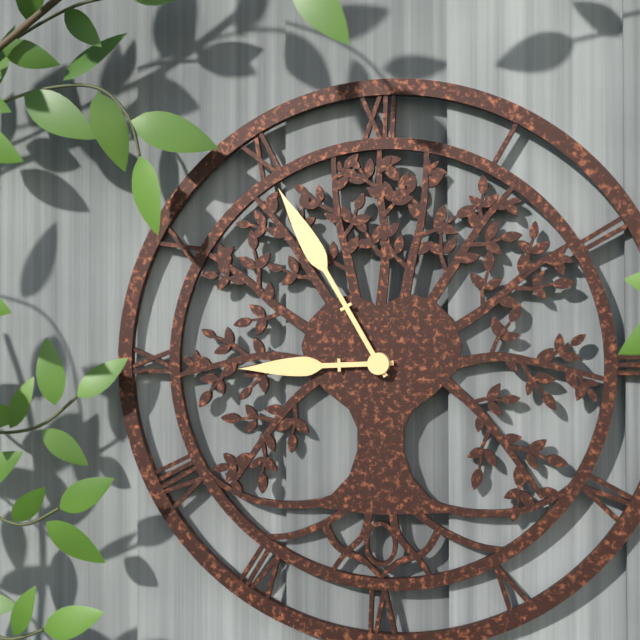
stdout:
{"hour": 8, "minute": 55}
